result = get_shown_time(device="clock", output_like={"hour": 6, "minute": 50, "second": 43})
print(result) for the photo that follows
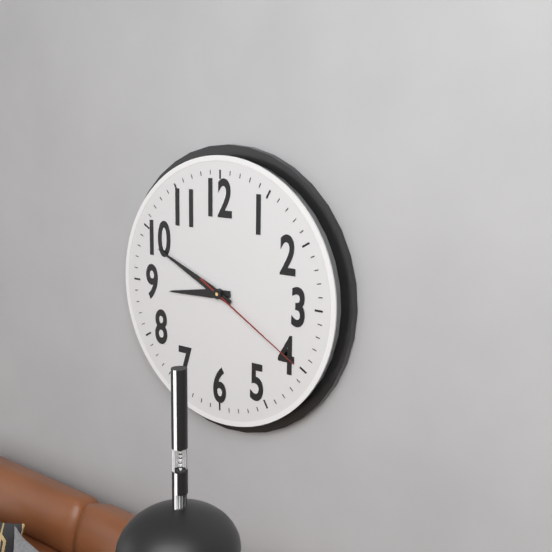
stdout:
{"hour": 8, "minute": 49, "second": 20}
